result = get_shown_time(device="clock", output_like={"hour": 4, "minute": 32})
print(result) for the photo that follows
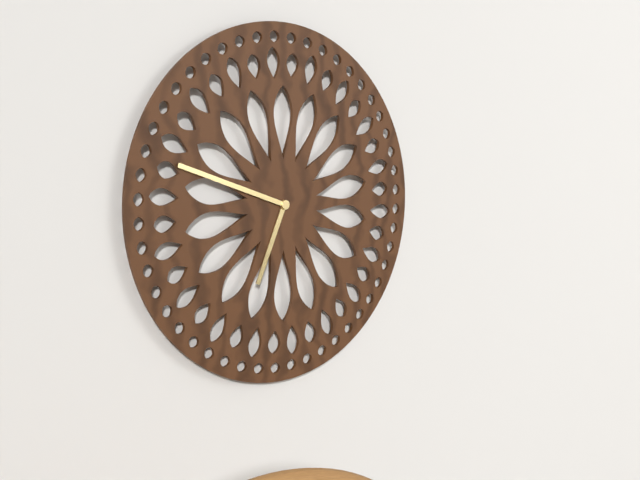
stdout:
{"hour": 6, "minute": 48}
